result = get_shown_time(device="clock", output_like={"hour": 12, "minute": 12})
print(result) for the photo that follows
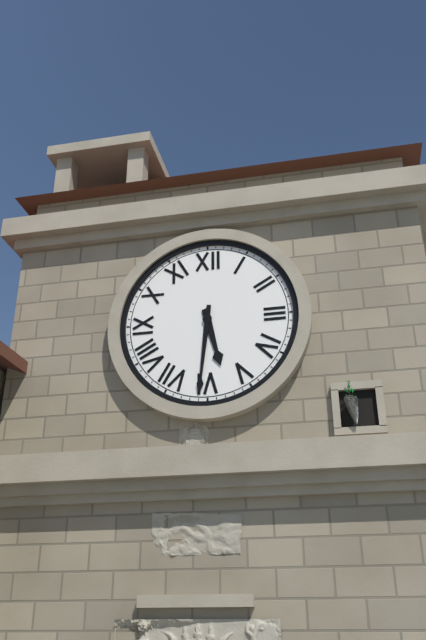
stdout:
{"hour": 5, "minute": 31}
